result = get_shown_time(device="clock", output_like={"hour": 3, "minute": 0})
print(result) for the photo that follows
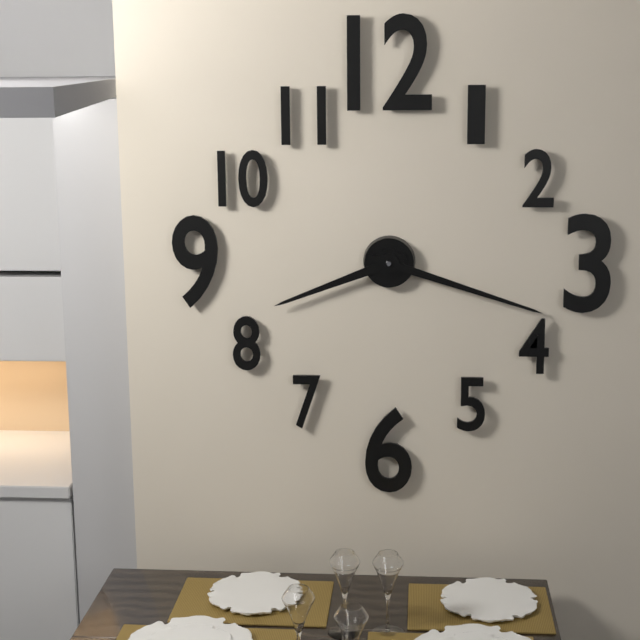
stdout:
{"hour": 8, "minute": 18}
